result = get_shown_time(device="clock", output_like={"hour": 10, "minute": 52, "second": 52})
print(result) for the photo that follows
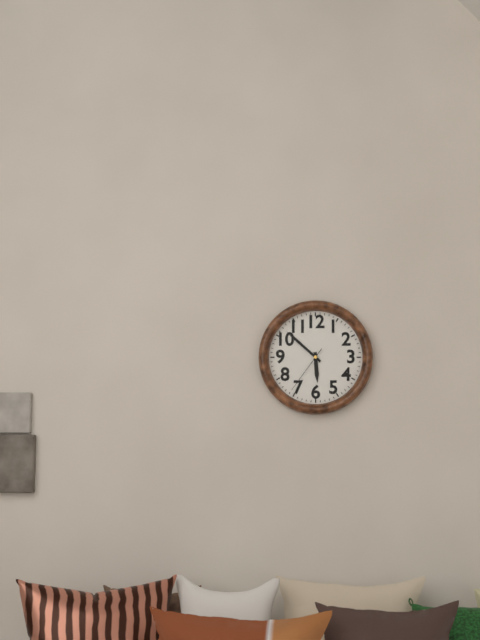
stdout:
{"hour": 5, "minute": 52, "second": 36}
